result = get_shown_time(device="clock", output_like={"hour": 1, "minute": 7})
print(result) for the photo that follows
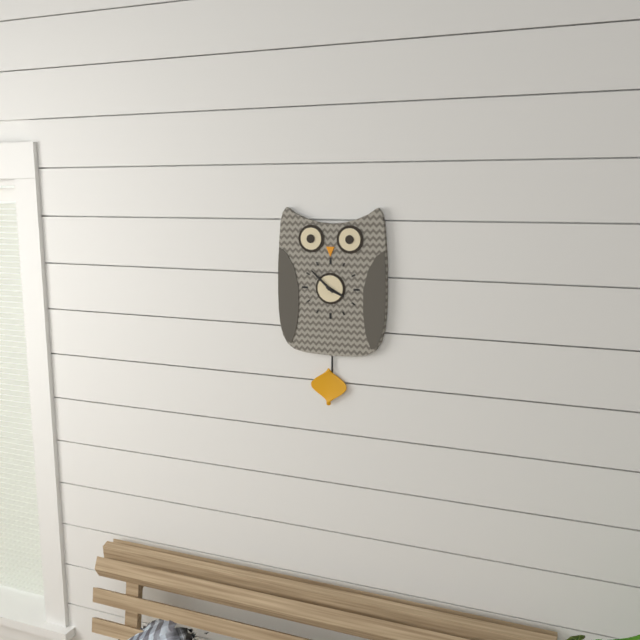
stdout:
{"hour": 3, "minute": 52}
